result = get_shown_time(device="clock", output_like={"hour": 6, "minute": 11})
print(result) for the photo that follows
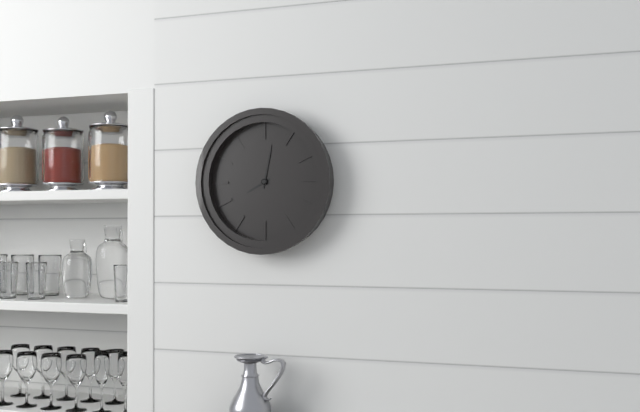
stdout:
{"hour": 8, "minute": 2}
